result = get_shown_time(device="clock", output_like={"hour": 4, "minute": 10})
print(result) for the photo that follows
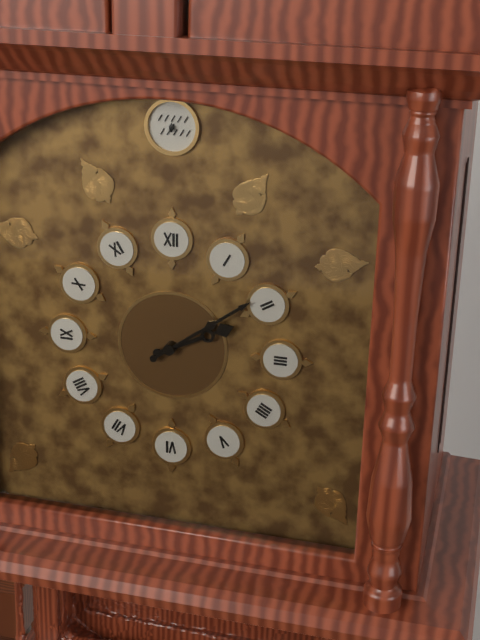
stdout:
{"hour": 2, "minute": 9}
